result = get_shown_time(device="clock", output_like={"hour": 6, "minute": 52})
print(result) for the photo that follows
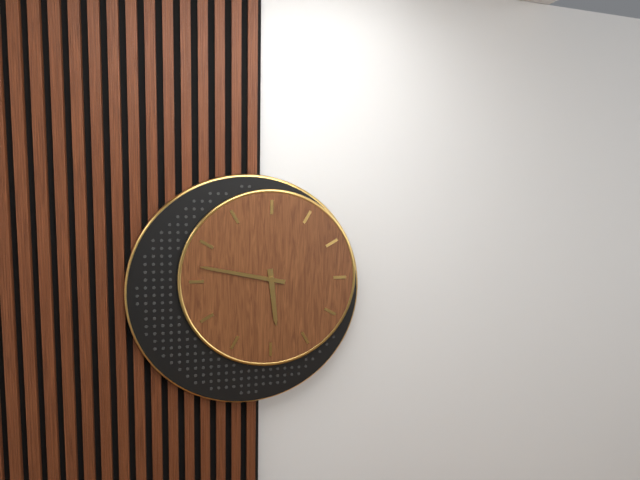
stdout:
{"hour": 5, "minute": 47}
